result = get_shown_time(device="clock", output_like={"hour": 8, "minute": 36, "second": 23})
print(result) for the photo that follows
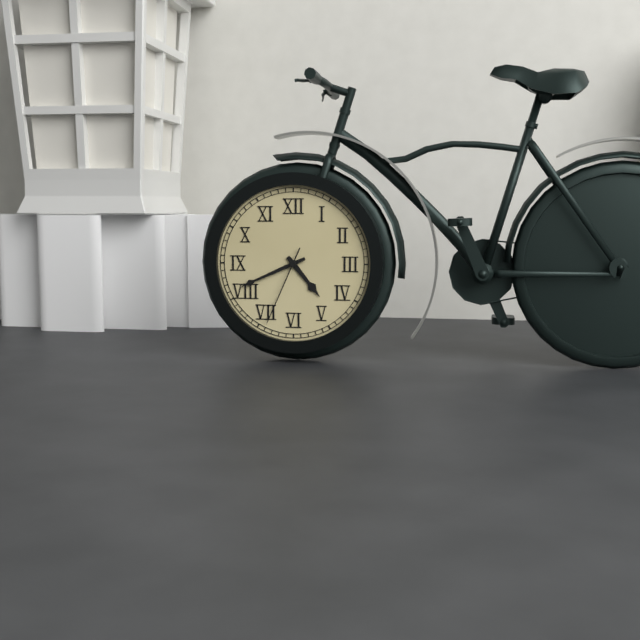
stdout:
{"hour": 4, "minute": 41, "second": 34}
